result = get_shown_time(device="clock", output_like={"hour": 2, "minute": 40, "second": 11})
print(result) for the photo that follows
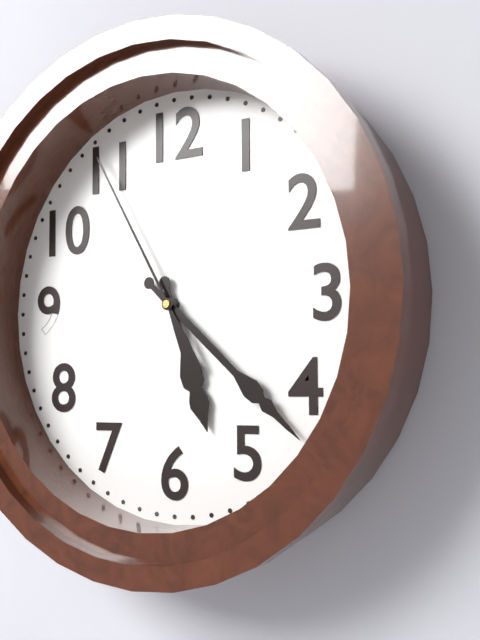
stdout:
{"hour": 5, "minute": 22, "second": 55}
